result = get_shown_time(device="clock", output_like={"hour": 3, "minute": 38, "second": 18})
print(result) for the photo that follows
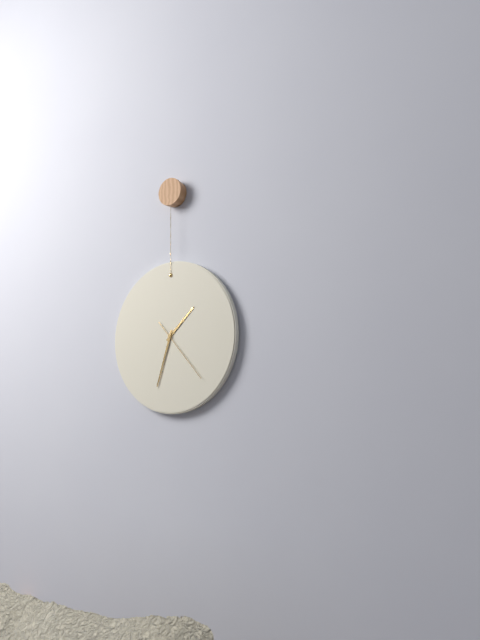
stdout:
{"hour": 1, "minute": 33, "second": 23}
